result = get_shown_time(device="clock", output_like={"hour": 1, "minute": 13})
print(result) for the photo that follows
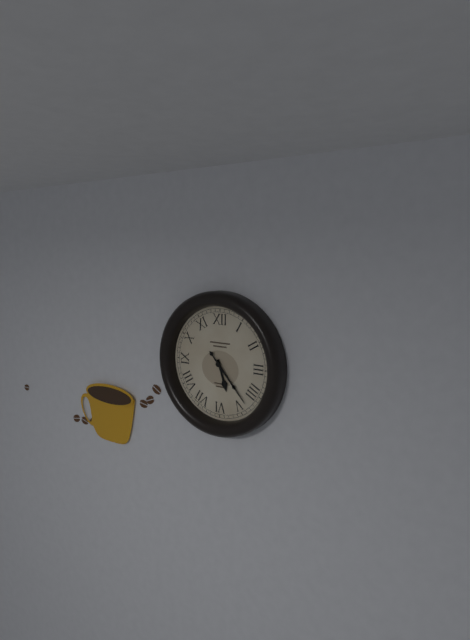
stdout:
{"hour": 5, "minute": 23}
